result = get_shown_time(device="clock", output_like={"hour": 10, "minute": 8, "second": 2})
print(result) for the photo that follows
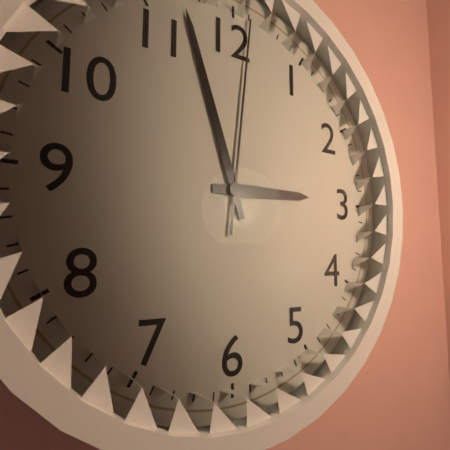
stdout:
{"hour": 2, "minute": 57, "second": 1}
